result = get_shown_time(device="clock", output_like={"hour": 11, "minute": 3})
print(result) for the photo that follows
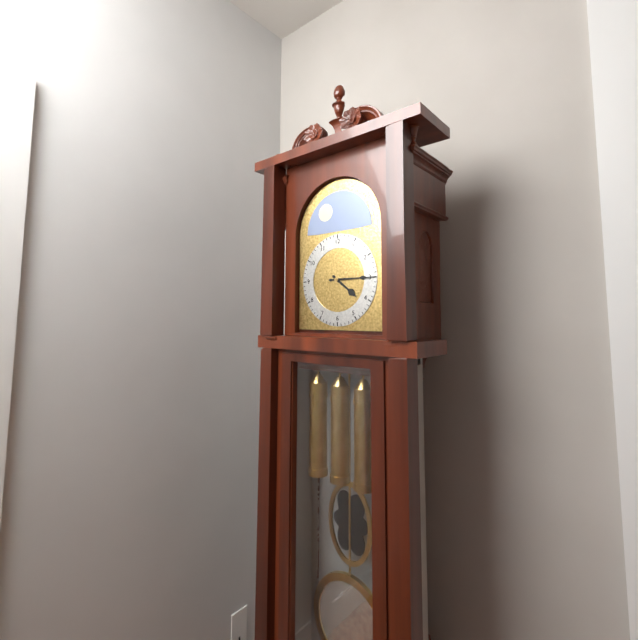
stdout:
{"hour": 4, "minute": 15}
